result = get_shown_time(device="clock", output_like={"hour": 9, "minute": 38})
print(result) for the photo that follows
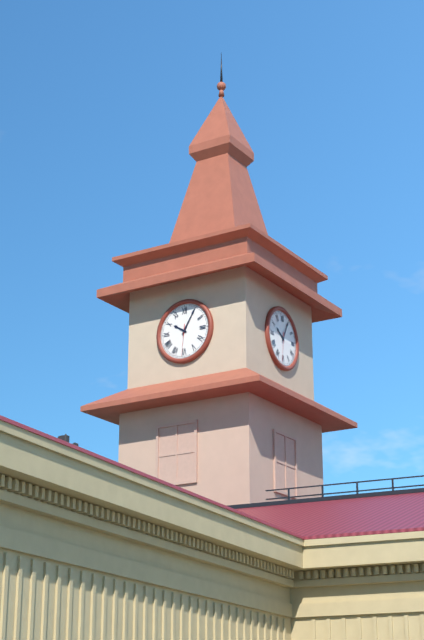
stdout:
{"hour": 10, "minute": 5}
